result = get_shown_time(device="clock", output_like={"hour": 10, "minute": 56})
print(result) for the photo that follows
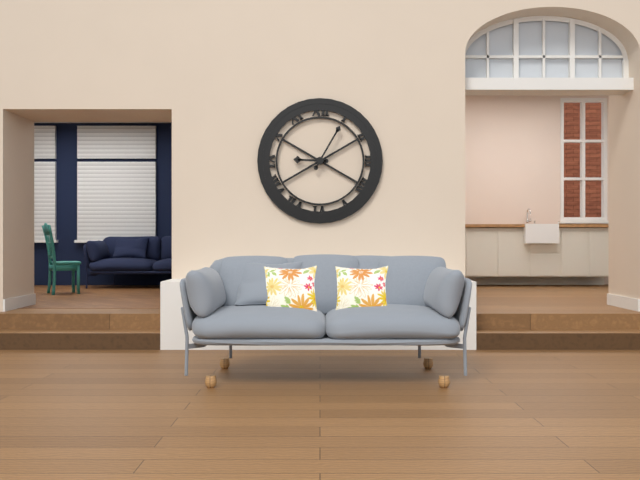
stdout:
{"hour": 9, "minute": 5}
